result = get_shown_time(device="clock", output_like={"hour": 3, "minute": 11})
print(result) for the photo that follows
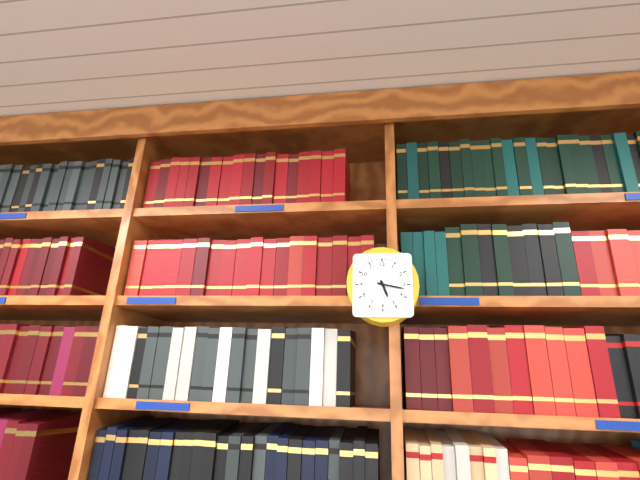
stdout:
{"hour": 5, "minute": 17}
